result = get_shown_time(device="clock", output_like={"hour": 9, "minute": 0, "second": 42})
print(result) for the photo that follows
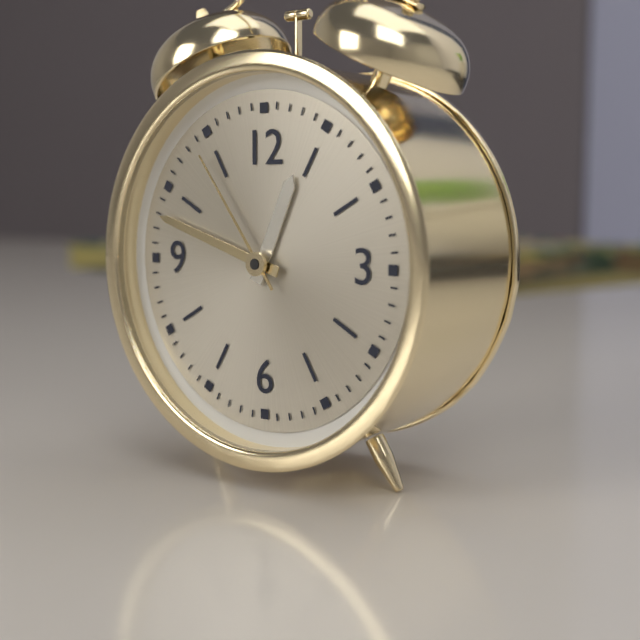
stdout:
{"hour": 12, "minute": 48, "second": 54}
